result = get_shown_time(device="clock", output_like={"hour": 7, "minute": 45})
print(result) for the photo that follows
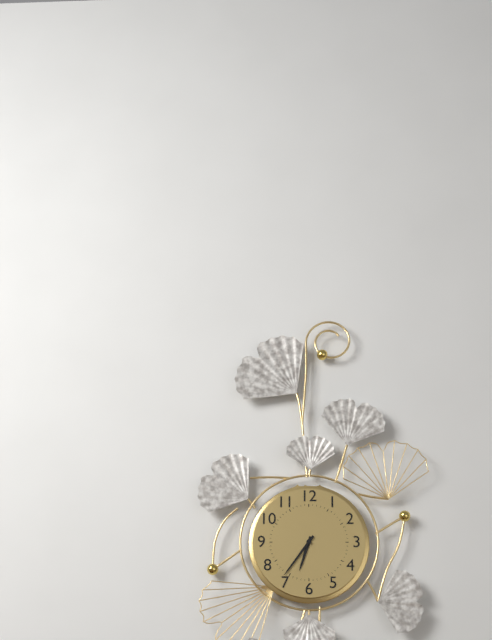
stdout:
{"hour": 6, "minute": 36}
